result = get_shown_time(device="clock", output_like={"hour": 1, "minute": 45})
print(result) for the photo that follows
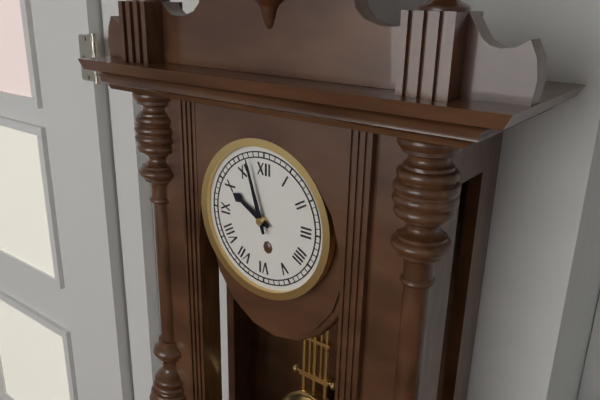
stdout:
{"hour": 9, "minute": 57}
